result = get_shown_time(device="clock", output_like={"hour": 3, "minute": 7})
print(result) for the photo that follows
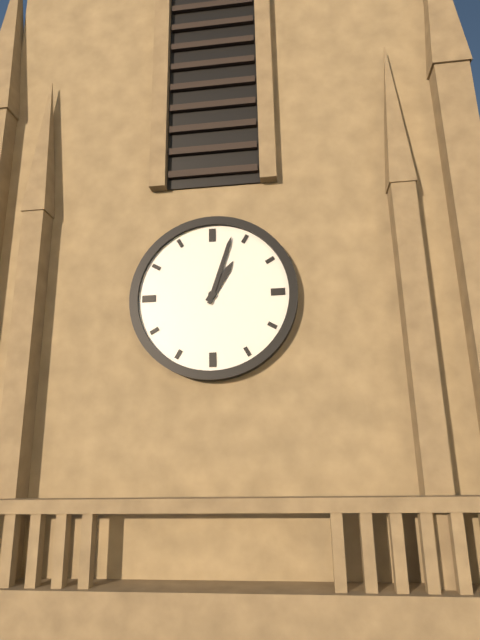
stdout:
{"hour": 1, "minute": 3}
